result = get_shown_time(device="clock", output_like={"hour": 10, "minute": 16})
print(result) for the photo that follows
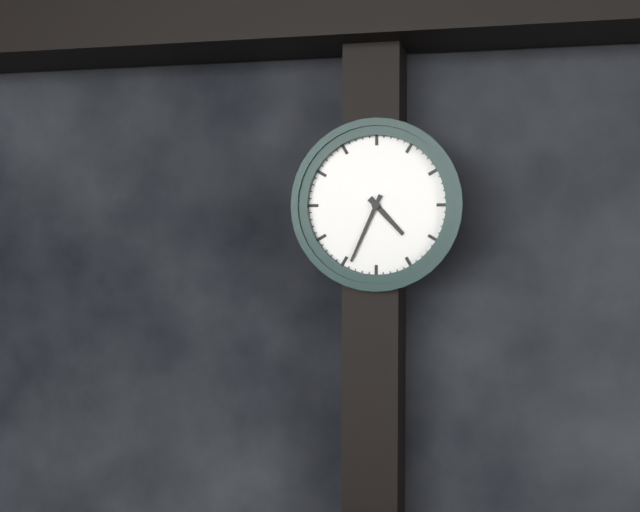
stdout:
{"hour": 4, "minute": 34}
